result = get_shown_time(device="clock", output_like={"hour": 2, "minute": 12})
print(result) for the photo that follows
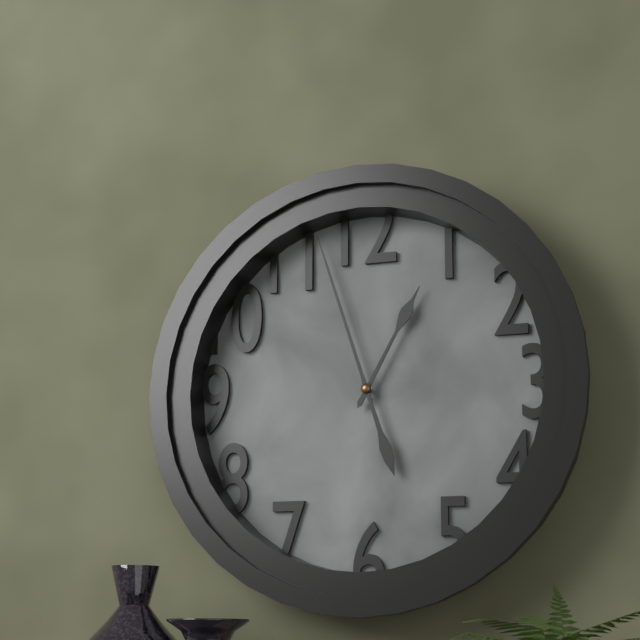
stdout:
{"hour": 12, "minute": 57}
